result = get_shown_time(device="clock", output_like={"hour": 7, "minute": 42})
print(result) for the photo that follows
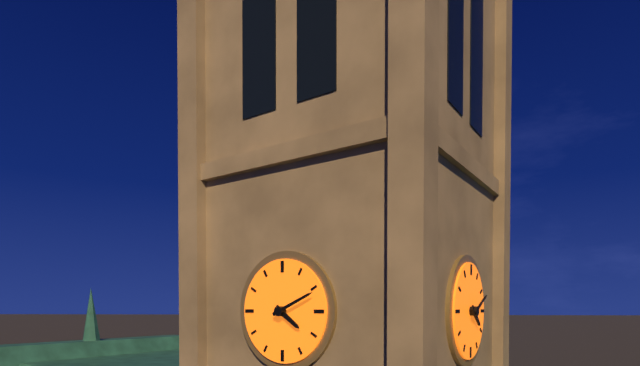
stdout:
{"hour": 4, "minute": 11}
